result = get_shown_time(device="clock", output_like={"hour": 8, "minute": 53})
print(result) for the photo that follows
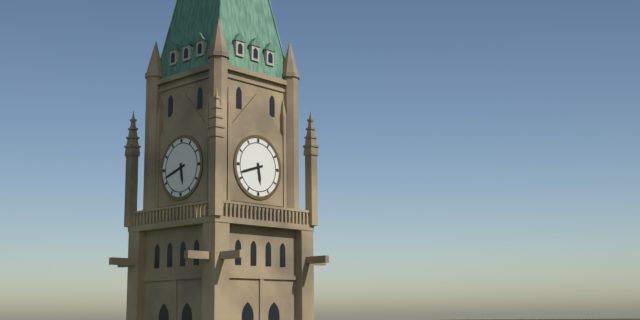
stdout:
{"hour": 5, "minute": 42}
